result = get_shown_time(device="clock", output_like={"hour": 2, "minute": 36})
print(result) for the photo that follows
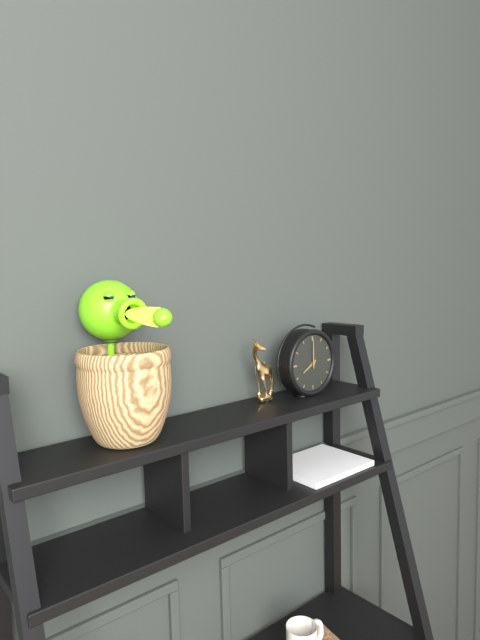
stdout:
{"hour": 8, "minute": 0}
